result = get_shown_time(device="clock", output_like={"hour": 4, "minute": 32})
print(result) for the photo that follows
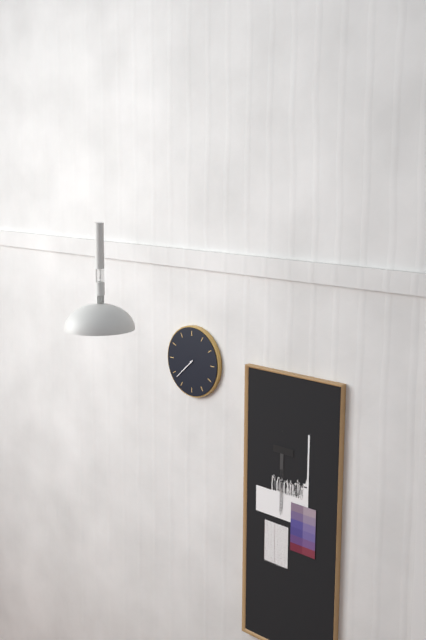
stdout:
{"hour": 7, "minute": 38}
